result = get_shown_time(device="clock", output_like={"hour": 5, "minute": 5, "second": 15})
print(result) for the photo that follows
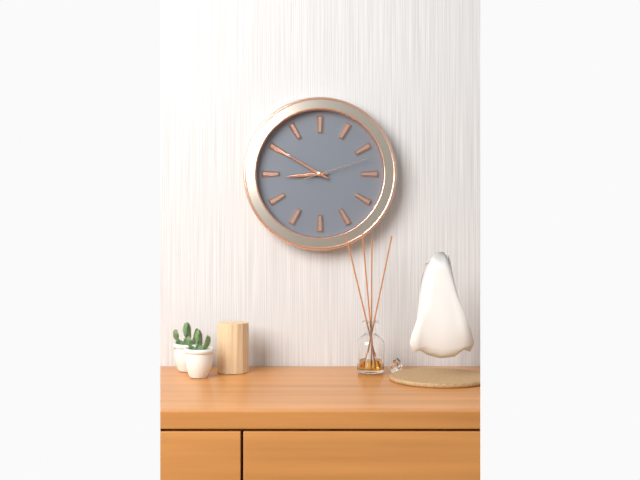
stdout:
{"hour": 8, "minute": 50, "second": 12}
